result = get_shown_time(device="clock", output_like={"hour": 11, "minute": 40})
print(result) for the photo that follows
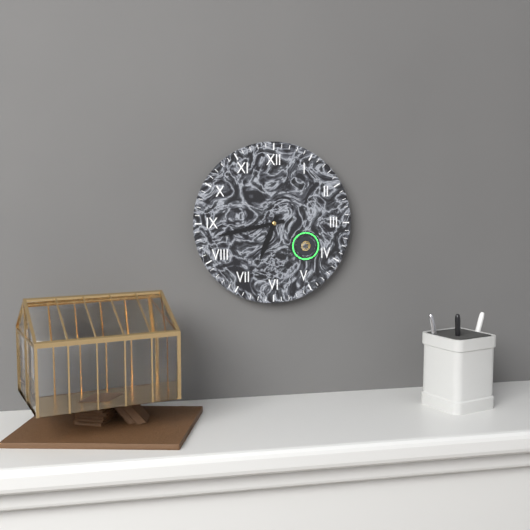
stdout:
{"hour": 6, "minute": 43}
